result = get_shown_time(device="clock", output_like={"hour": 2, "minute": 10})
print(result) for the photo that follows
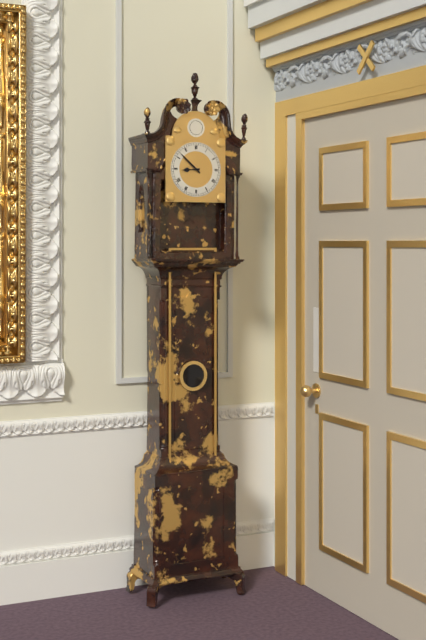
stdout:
{"hour": 8, "minute": 52}
